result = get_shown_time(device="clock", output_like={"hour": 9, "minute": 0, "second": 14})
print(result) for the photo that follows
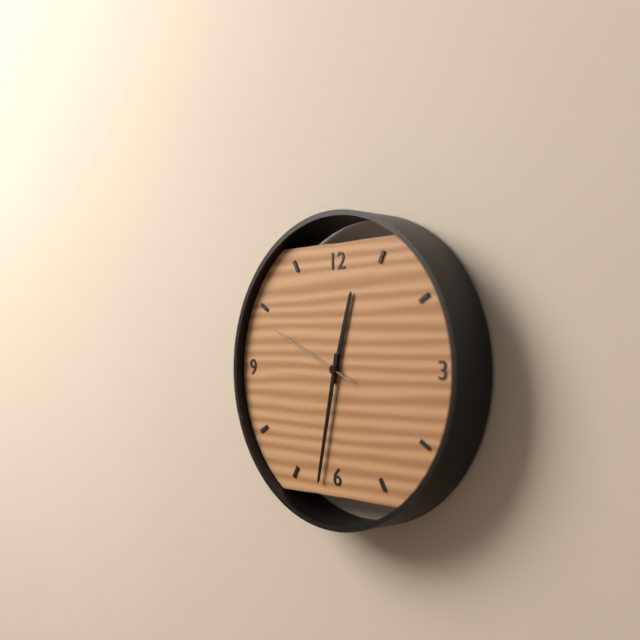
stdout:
{"hour": 12, "minute": 32, "second": 49}
